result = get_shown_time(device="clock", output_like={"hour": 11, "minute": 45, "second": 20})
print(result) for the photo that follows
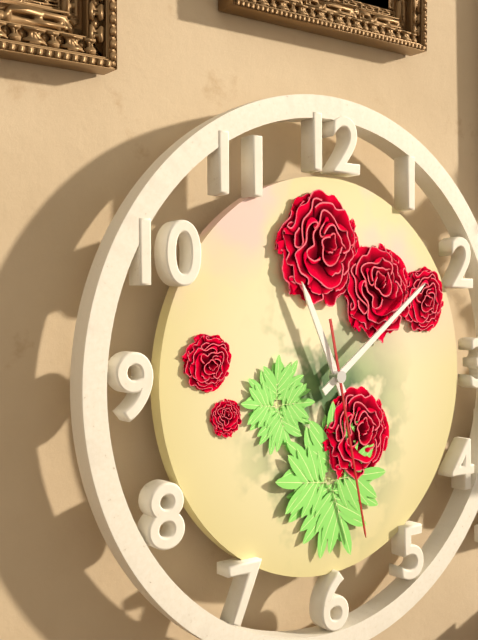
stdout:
{"hour": 11, "minute": 9, "second": 28}
